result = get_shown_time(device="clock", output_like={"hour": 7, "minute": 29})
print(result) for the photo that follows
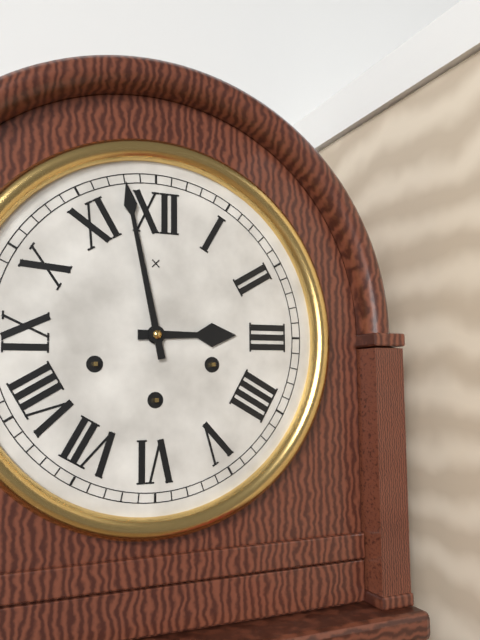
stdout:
{"hour": 2, "minute": 58}
